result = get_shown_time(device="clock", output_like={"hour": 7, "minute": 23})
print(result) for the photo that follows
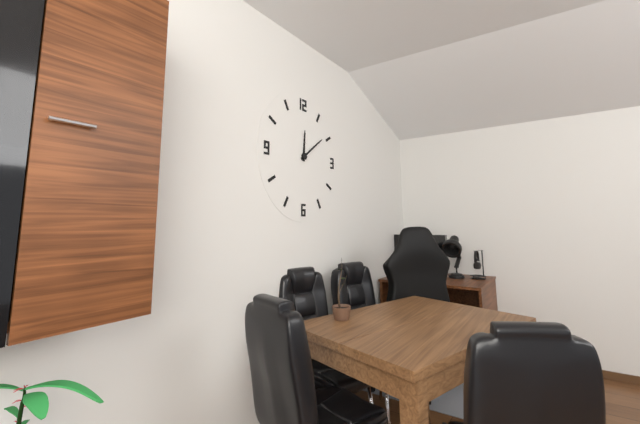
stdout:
{"hour": 12, "minute": 9}
